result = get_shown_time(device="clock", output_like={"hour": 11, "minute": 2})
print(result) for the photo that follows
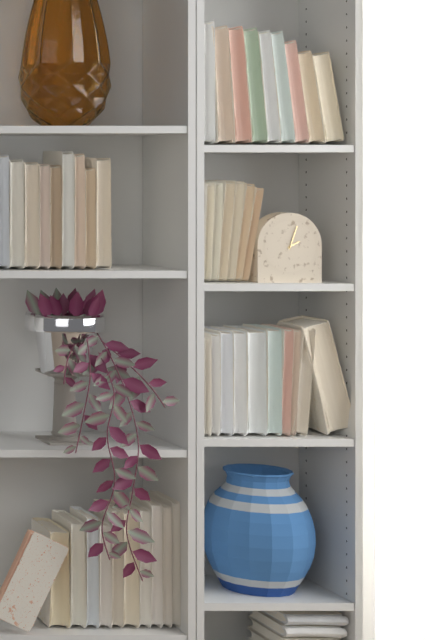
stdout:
{"hour": 2, "minute": 3}
